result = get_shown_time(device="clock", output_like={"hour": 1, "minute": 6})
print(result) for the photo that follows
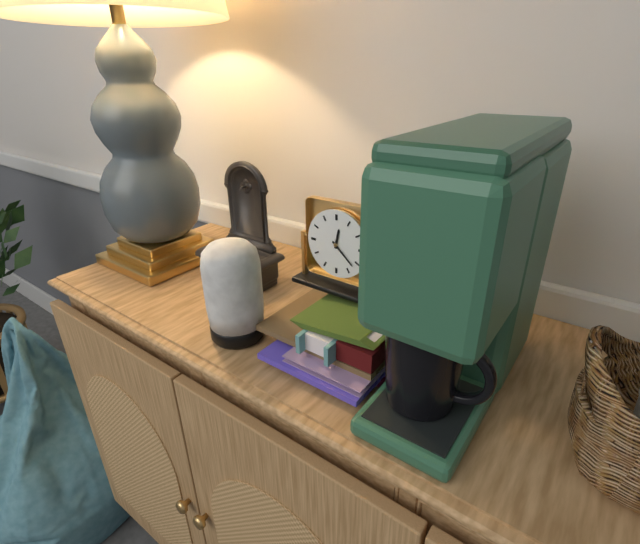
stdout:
{"hour": 12, "minute": 22}
